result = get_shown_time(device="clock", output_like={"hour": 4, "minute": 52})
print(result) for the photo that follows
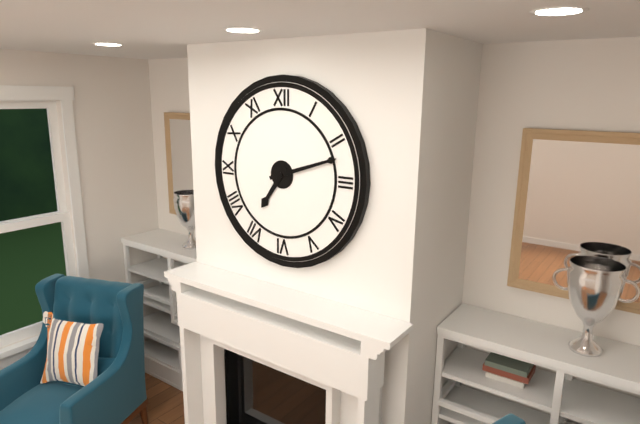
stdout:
{"hour": 7, "minute": 12}
